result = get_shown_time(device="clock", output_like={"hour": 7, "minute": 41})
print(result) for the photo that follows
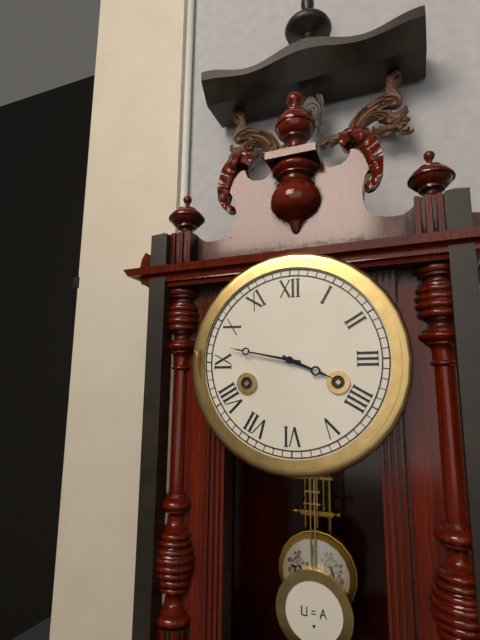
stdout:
{"hour": 3, "minute": 47}
